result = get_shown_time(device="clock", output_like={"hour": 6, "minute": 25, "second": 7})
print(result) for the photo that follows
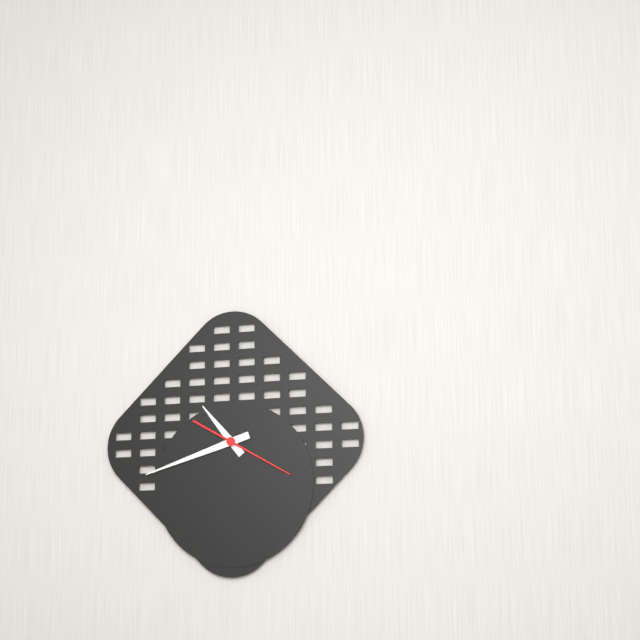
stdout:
{"hour": 10, "minute": 42, "second": 20}
